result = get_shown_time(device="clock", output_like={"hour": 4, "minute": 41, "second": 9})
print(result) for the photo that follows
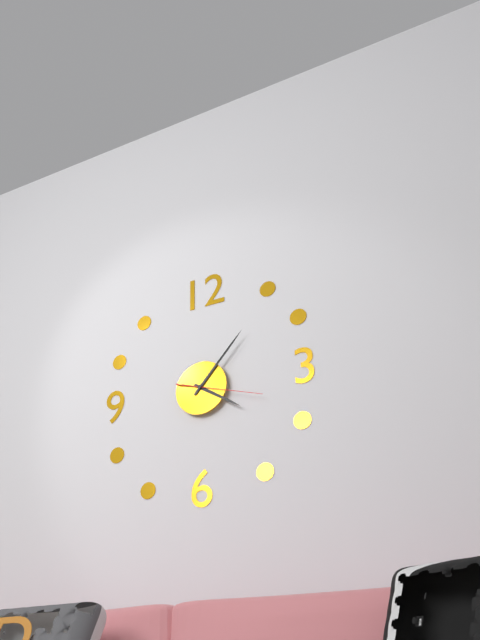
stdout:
{"hour": 4, "minute": 7, "second": 18}
